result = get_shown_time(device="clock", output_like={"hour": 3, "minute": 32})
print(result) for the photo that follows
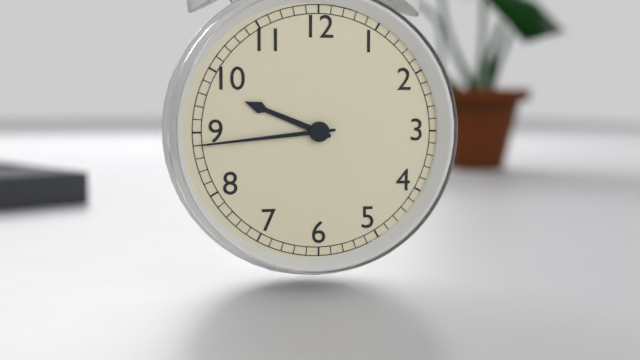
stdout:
{"hour": 9, "minute": 44}
